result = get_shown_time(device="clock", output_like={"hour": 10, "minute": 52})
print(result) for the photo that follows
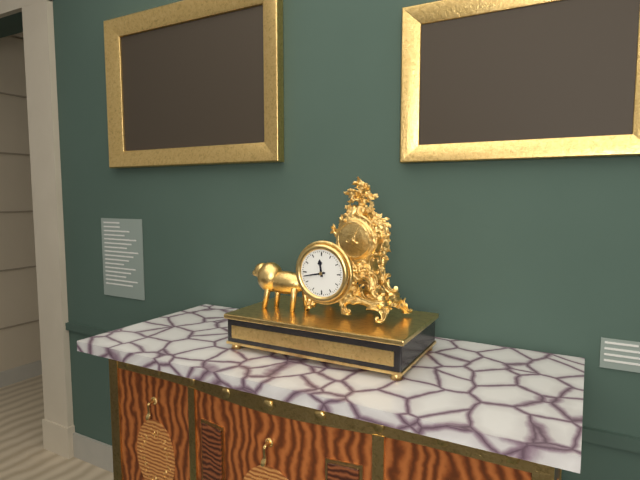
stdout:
{"hour": 11, "minute": 43}
